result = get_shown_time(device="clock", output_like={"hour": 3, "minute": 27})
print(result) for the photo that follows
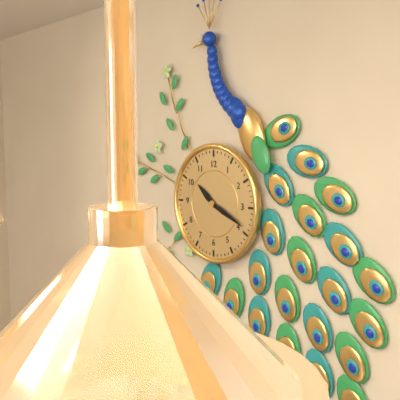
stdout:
{"hour": 10, "minute": 19}
